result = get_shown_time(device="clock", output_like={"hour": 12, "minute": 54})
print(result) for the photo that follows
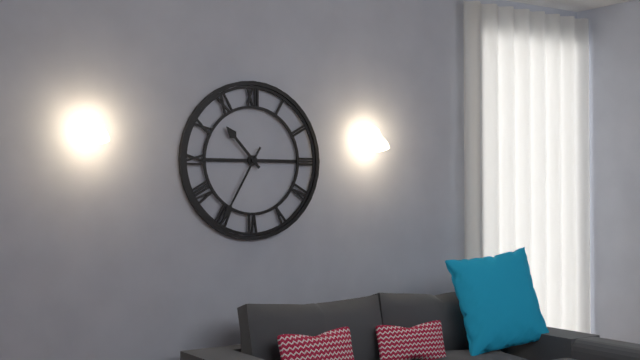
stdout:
{"hour": 10, "minute": 35}
